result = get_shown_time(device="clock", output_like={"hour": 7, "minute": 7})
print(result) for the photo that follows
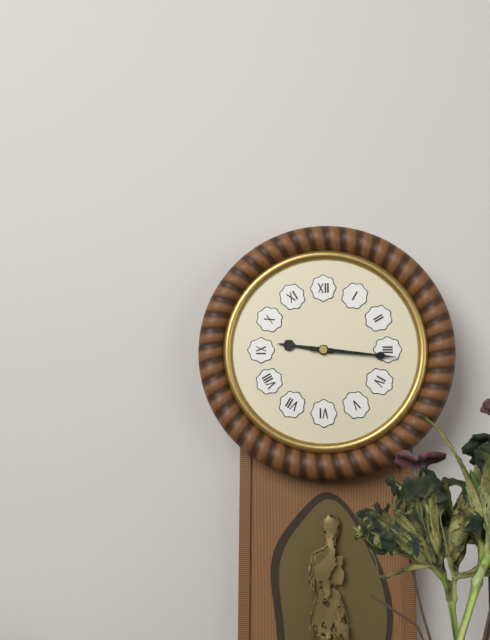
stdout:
{"hour": 9, "minute": 16}
